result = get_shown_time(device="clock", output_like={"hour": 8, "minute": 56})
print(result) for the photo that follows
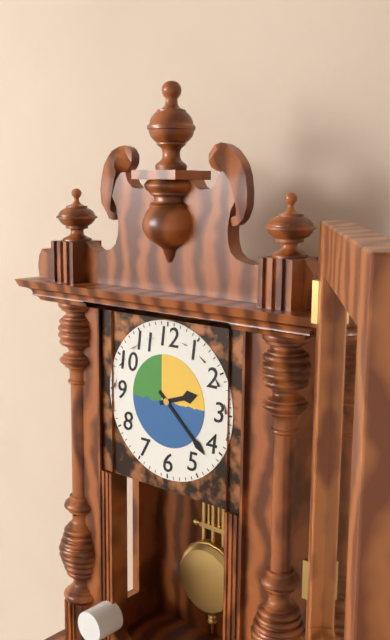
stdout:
{"hour": 2, "minute": 22}
